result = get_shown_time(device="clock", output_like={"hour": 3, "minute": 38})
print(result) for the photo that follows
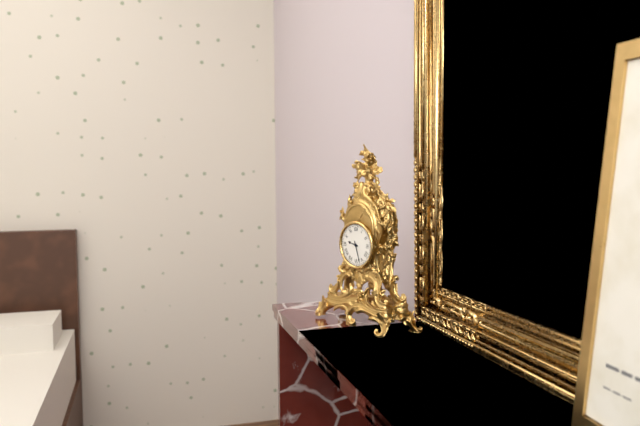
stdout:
{"hour": 9, "minute": 27}
